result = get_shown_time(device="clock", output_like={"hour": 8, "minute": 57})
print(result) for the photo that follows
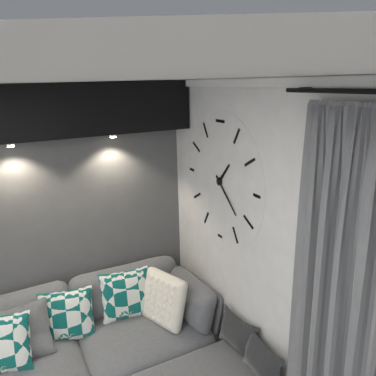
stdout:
{"hour": 1, "minute": 22}
